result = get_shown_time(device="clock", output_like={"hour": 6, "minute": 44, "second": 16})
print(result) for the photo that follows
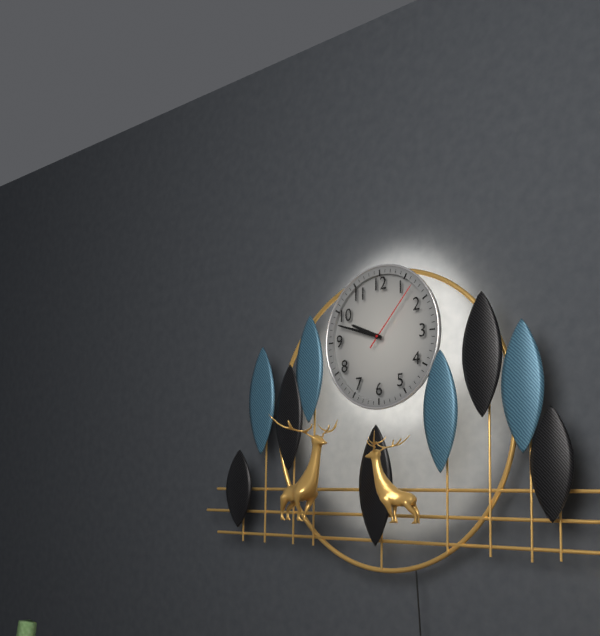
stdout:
{"hour": 9, "minute": 48, "second": 7}
